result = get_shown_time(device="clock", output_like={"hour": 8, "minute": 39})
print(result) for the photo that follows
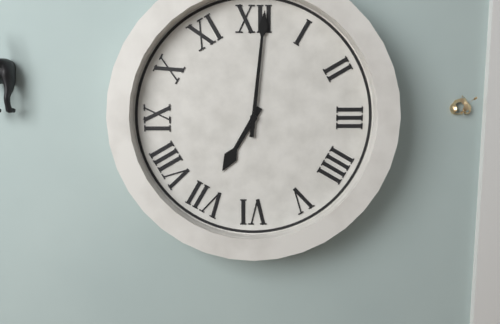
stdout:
{"hour": 7, "minute": 1}
